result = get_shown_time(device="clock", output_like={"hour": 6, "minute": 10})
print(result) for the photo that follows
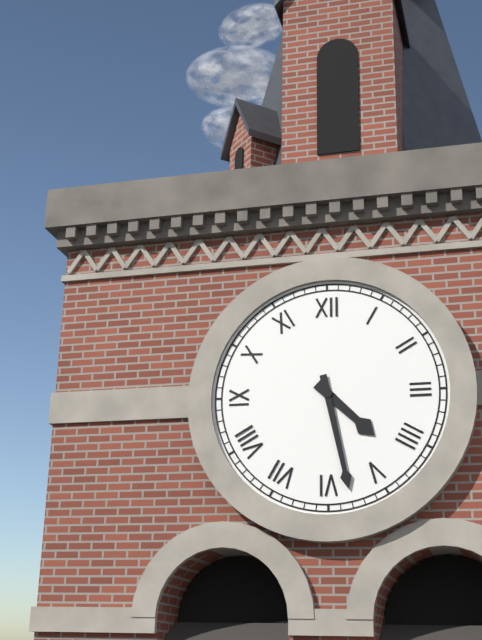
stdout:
{"hour": 4, "minute": 28}
